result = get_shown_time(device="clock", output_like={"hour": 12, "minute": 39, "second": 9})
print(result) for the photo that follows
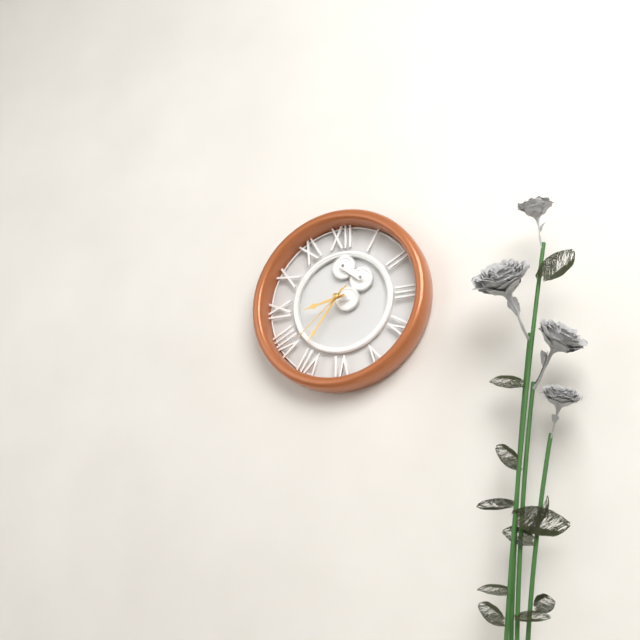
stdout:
{"hour": 8, "minute": 36, "second": 38}
